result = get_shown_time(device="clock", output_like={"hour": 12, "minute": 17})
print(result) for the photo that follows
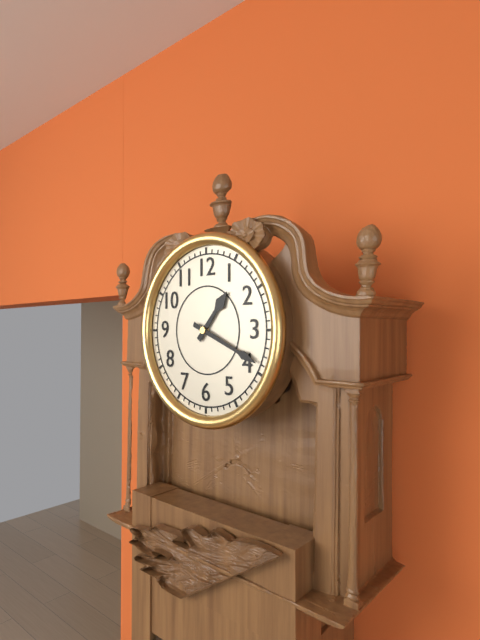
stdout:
{"hour": 1, "minute": 19}
